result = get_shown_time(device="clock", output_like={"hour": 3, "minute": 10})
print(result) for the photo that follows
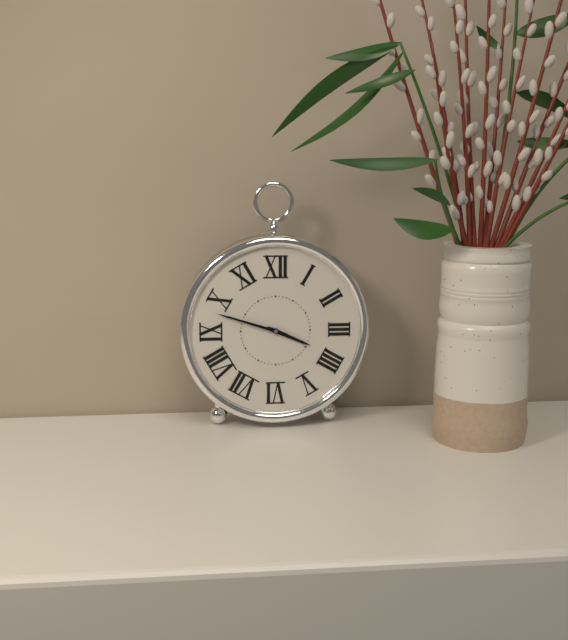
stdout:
{"hour": 3, "minute": 48}
